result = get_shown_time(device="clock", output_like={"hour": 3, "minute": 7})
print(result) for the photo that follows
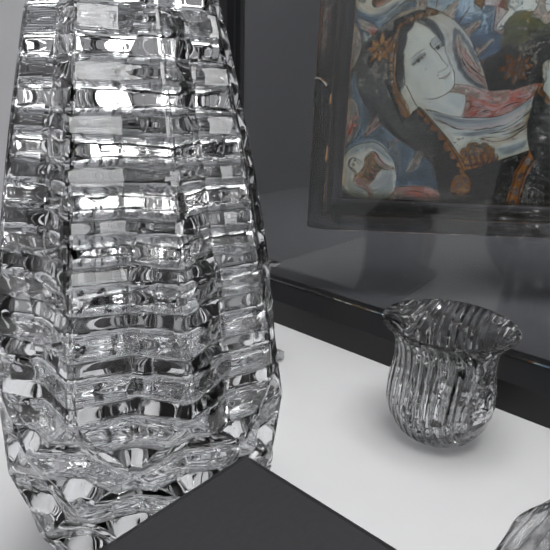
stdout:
{"hour": 5, "minute": 10}
